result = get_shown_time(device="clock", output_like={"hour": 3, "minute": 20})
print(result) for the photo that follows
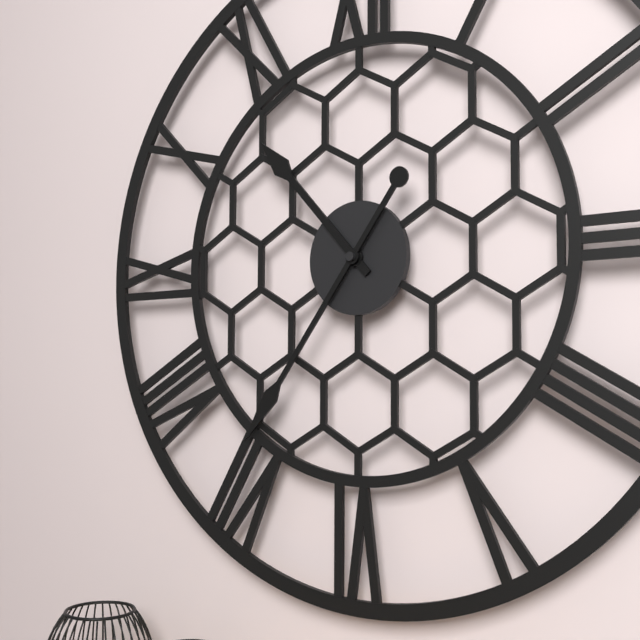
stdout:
{"hour": 10, "minute": 36}
